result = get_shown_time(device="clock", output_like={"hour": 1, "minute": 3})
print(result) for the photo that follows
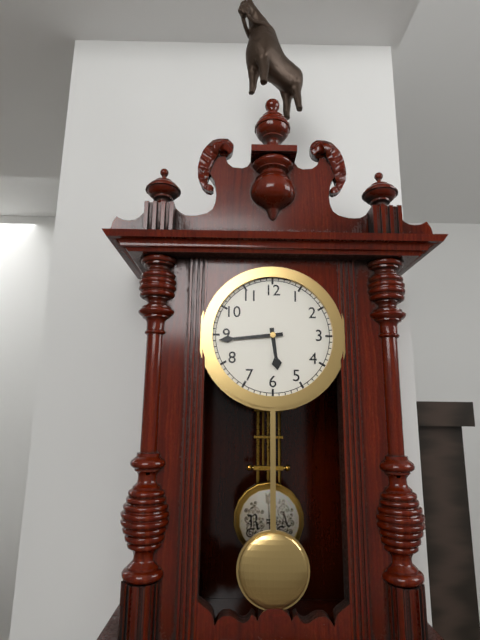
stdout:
{"hour": 5, "minute": 44}
